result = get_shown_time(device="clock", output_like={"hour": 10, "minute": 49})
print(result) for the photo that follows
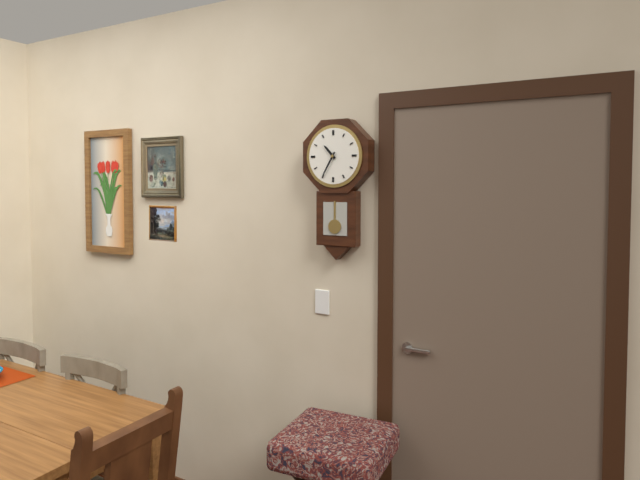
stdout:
{"hour": 10, "minute": 35}
